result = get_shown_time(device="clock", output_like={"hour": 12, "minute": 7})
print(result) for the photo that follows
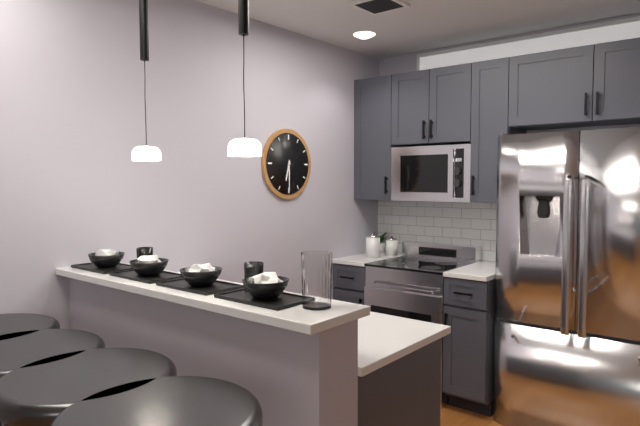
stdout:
{"hour": 6, "minute": 30}
